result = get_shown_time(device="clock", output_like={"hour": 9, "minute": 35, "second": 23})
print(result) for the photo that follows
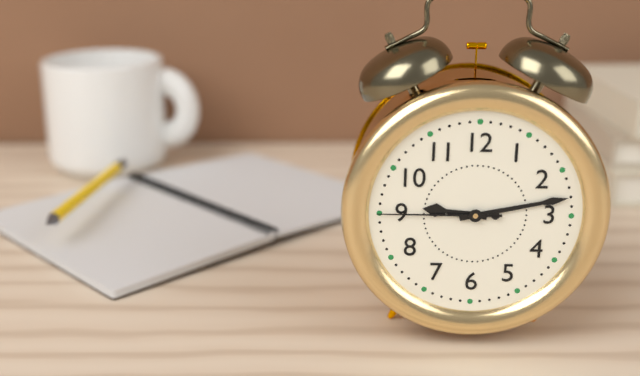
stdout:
{"hour": 9, "minute": 13, "second": 45}
